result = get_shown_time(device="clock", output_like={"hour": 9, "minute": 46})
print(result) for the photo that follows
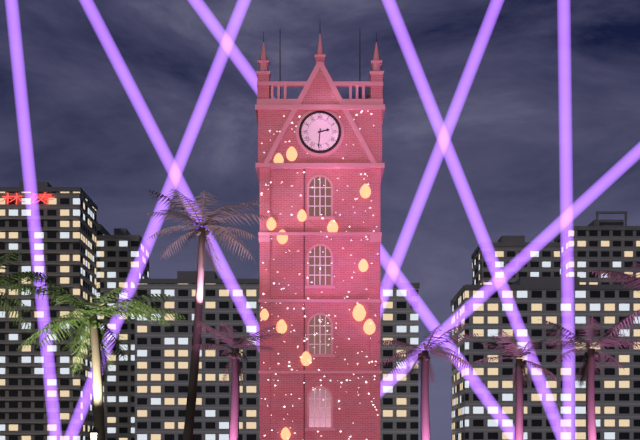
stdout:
{"hour": 2, "minute": 31}
